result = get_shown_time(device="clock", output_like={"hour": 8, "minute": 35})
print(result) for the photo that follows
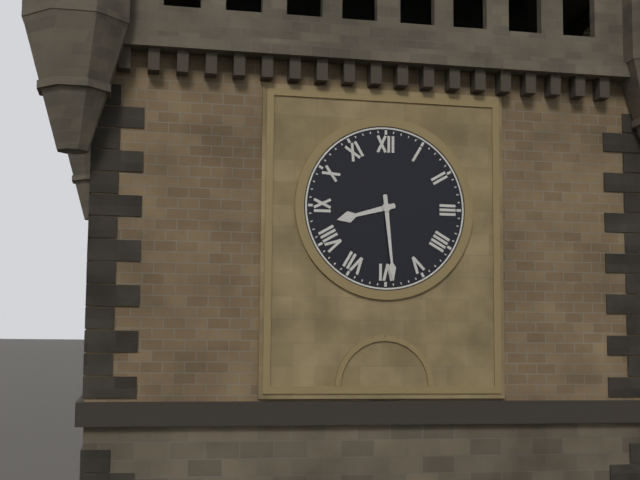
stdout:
{"hour": 8, "minute": 29}
